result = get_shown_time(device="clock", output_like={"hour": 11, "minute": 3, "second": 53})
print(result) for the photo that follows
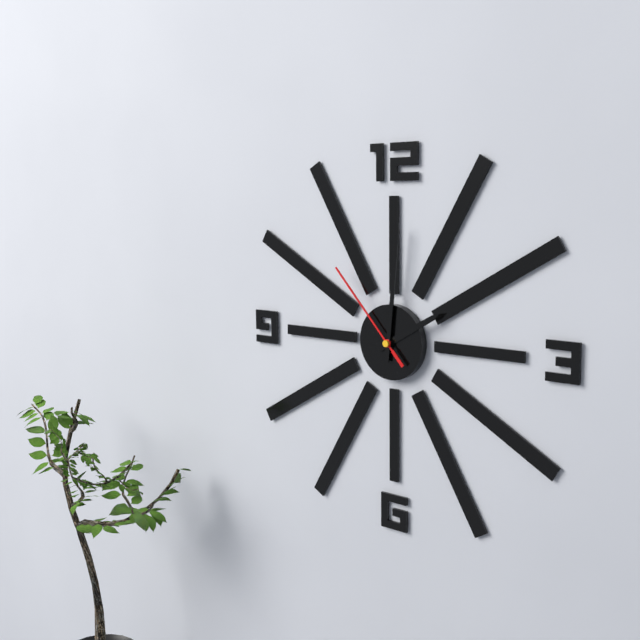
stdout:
{"hour": 2, "minute": 1, "second": 53}
